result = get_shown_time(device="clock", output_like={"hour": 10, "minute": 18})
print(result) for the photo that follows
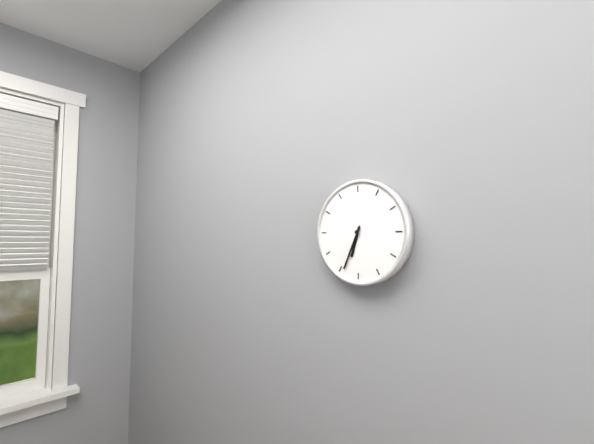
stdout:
{"hour": 6, "minute": 34}
